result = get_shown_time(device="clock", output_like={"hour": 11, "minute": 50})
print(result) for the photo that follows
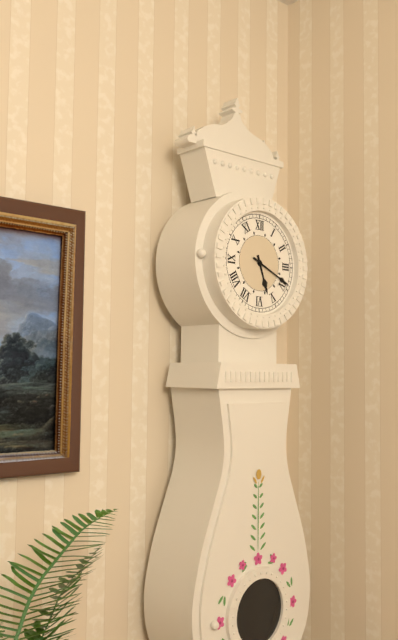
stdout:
{"hour": 5, "minute": 19}
